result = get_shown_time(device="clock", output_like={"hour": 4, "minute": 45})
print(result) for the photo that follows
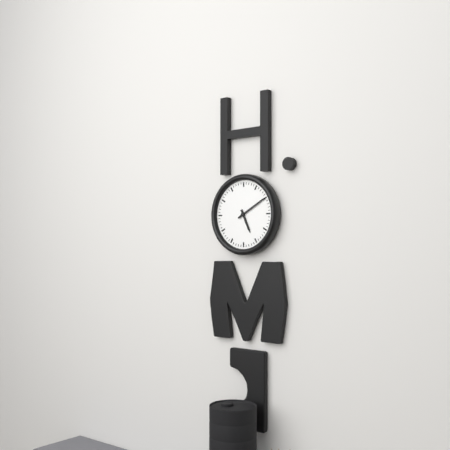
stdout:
{"hour": 5, "minute": 10}
